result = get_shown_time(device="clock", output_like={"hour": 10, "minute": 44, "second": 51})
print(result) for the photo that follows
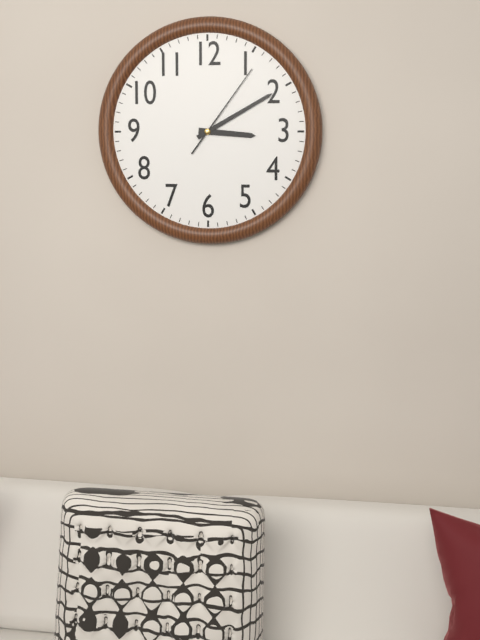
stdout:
{"hour": 3, "minute": 10, "second": 6}
